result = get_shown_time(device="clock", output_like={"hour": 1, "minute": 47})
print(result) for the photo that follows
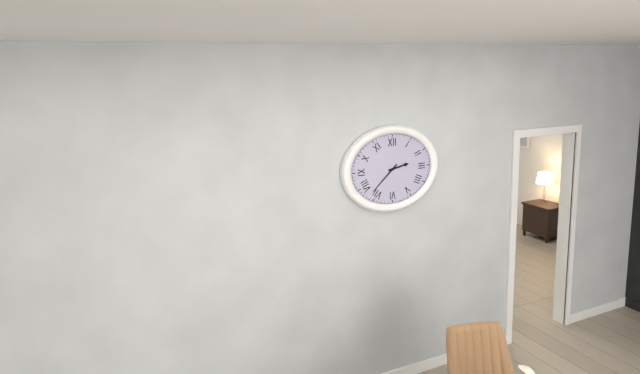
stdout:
{"hour": 2, "minute": 38}
